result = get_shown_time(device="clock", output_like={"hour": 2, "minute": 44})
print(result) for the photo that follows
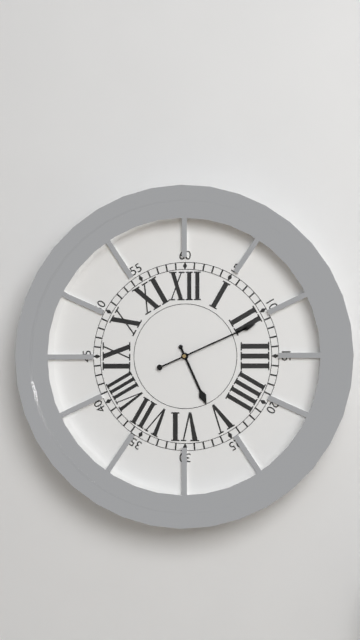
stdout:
{"hour": 5, "minute": 11}
